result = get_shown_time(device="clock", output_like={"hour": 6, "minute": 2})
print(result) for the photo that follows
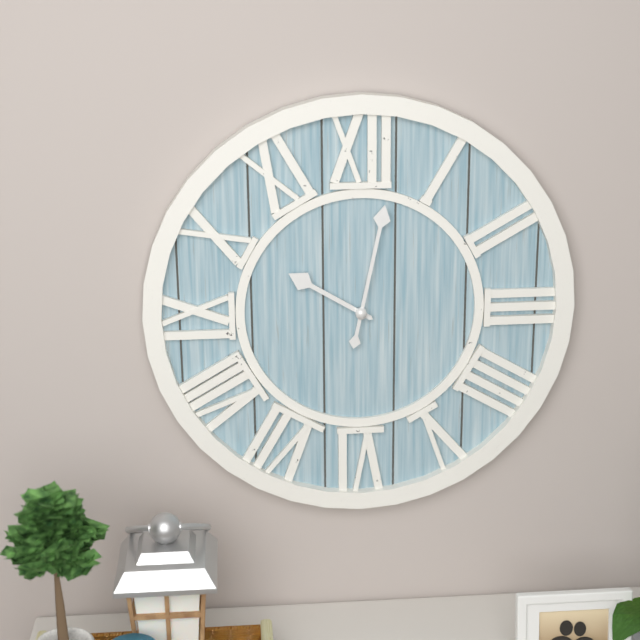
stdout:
{"hour": 10, "minute": 2}
